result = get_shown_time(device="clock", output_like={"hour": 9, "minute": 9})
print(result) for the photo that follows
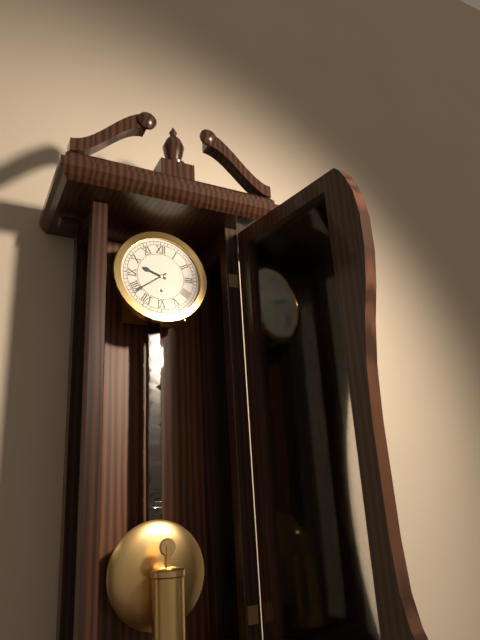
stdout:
{"hour": 9, "minute": 39}
